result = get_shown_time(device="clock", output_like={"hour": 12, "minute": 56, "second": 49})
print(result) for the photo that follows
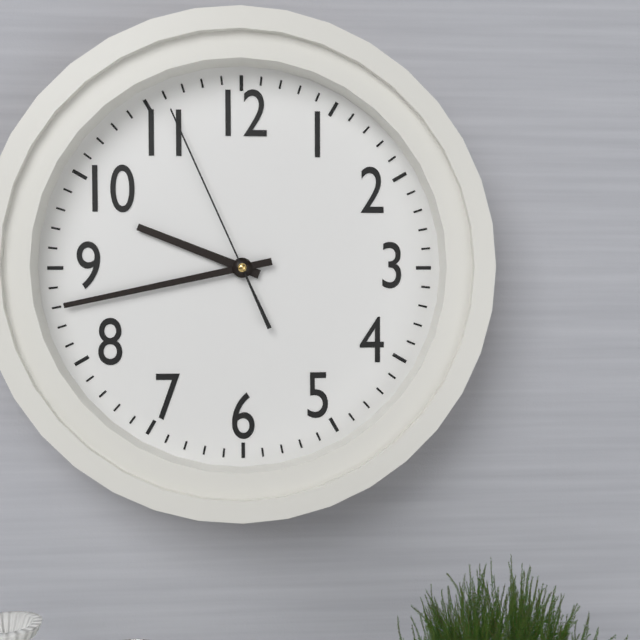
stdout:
{"hour": 9, "minute": 43, "second": 56}
